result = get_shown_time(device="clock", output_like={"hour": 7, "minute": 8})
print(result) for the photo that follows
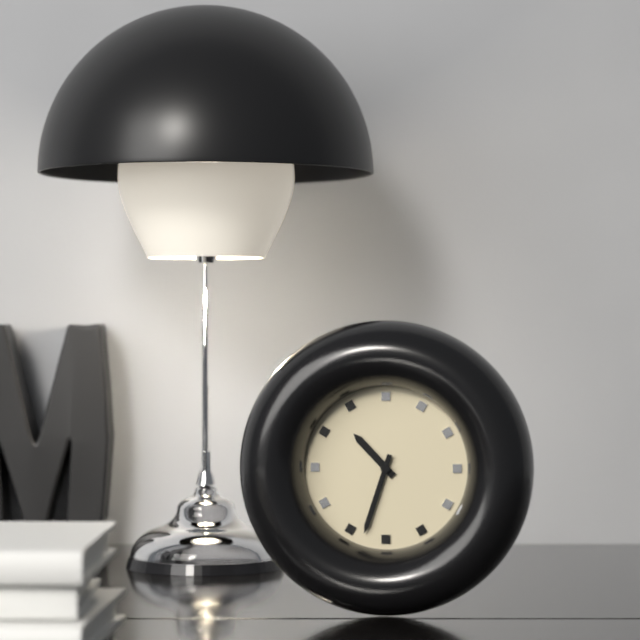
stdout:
{"hour": 10, "minute": 33}
